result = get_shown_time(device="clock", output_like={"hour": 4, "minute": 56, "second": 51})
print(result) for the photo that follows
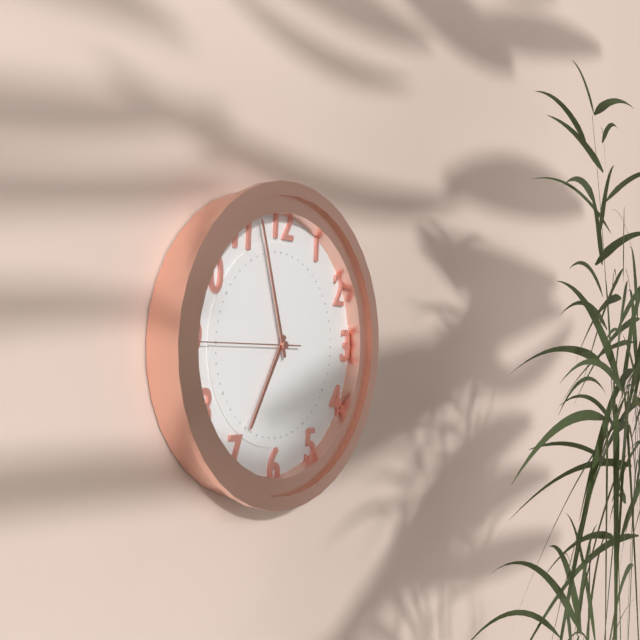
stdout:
{"hour": 6, "minute": 57, "second": 45}
